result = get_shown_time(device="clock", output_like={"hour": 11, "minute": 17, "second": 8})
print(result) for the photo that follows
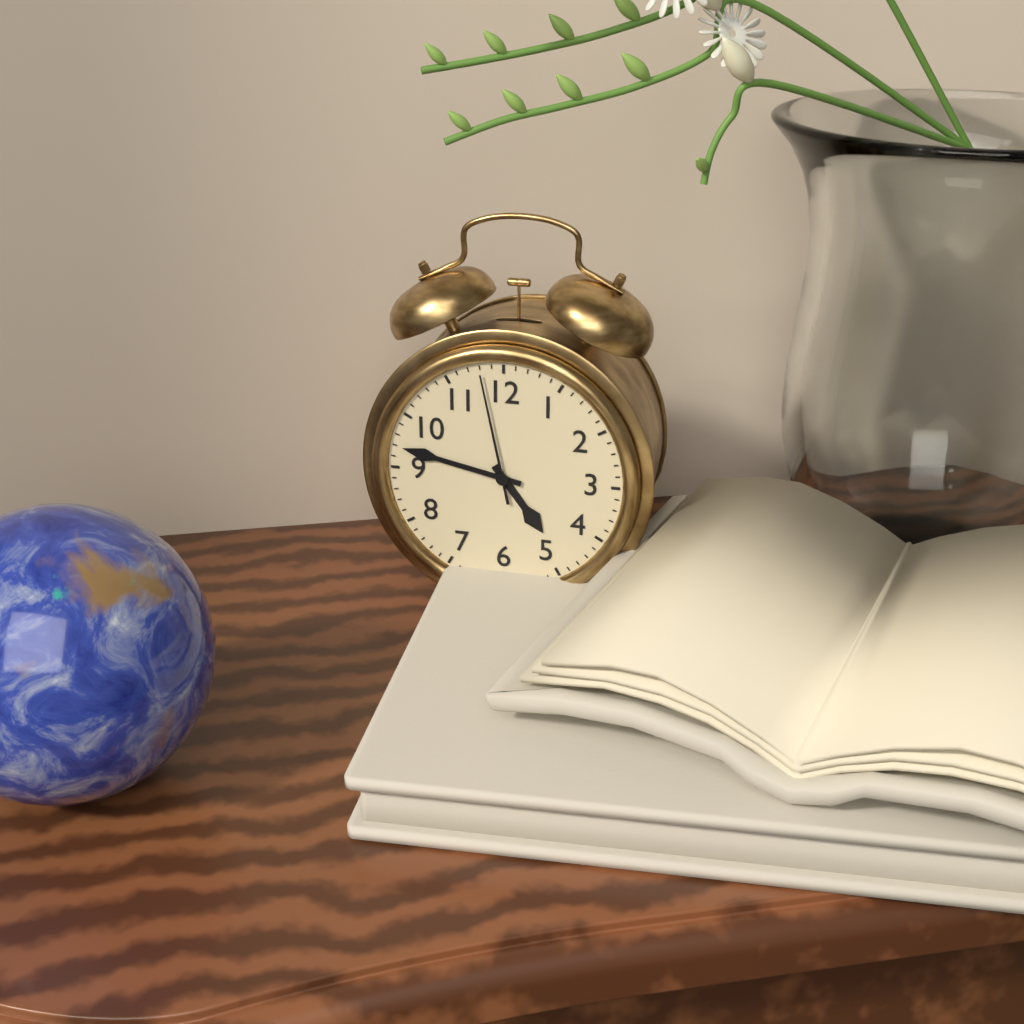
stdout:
{"hour": 4, "minute": 47, "second": 58}
